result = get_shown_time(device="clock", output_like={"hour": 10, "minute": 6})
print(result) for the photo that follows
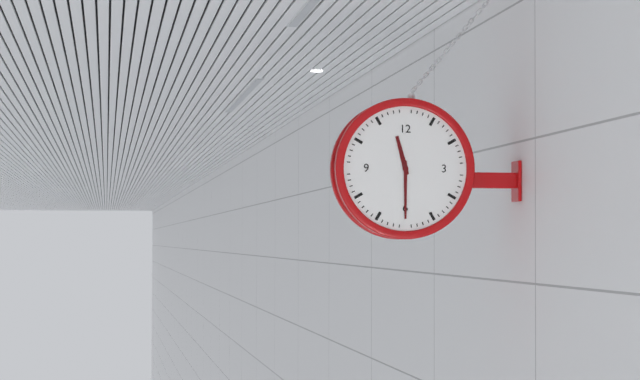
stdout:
{"hour": 11, "minute": 30}
